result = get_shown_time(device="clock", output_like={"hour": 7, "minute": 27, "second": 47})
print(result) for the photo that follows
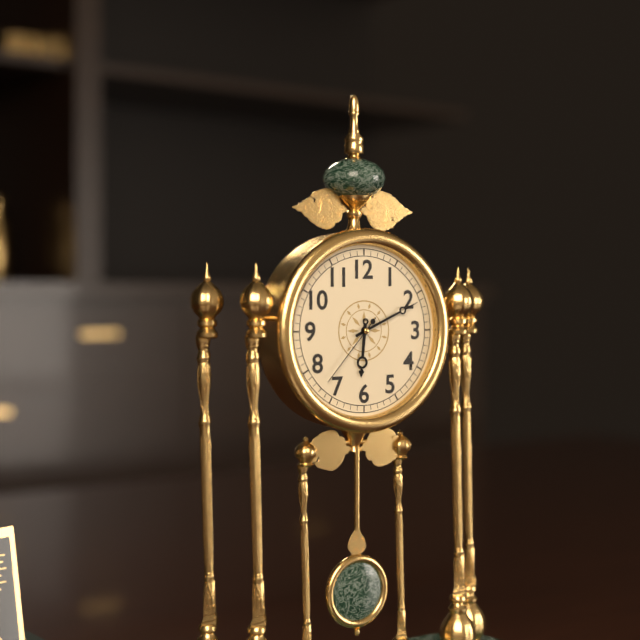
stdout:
{"hour": 6, "minute": 11, "second": 37}
